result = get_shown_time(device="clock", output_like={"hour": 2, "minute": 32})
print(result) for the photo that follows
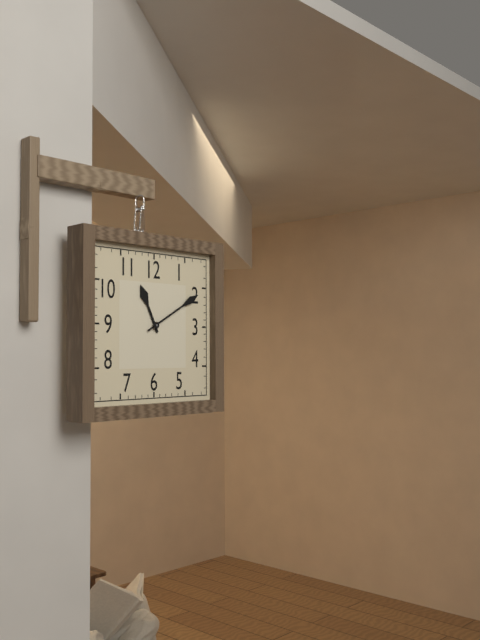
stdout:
{"hour": 11, "minute": 10}
